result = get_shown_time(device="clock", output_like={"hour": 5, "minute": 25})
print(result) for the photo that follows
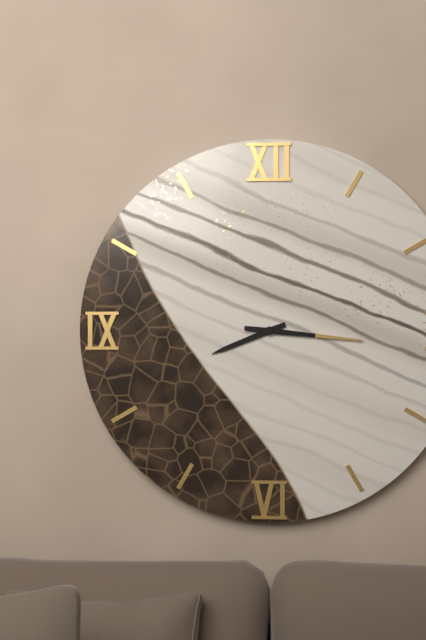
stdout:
{"hour": 8, "minute": 16}
